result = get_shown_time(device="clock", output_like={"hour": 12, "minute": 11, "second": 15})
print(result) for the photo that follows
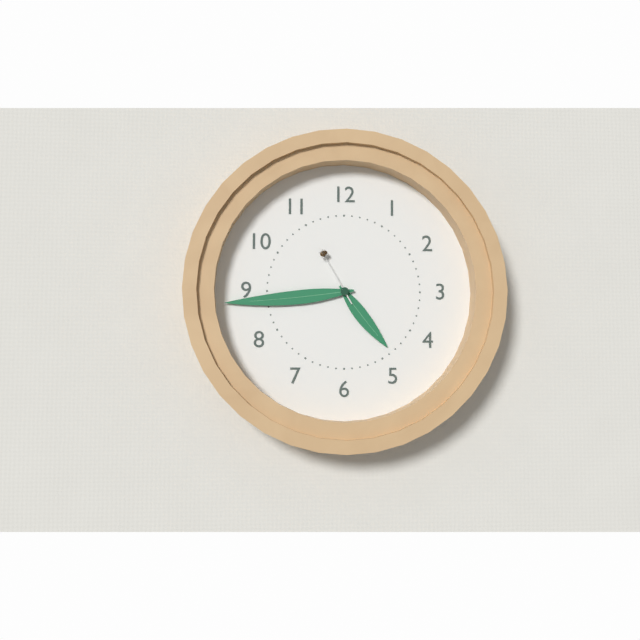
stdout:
{"hour": 4, "minute": 44, "second": 55}
